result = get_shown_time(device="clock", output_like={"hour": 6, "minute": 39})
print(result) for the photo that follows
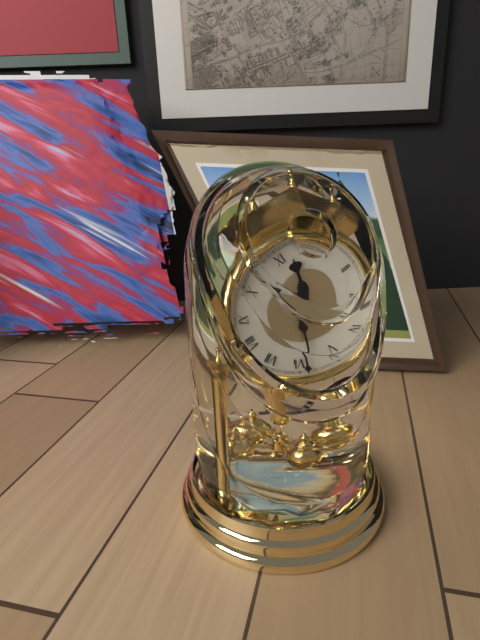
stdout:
{"hour": 11, "minute": 29}
